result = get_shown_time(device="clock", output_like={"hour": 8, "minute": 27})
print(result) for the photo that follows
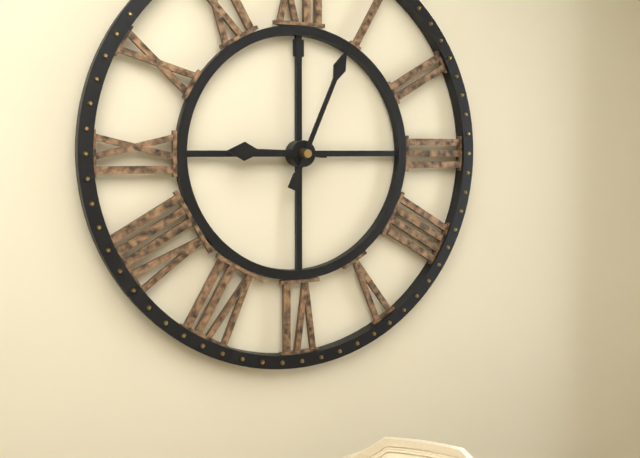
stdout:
{"hour": 9, "minute": 4}
